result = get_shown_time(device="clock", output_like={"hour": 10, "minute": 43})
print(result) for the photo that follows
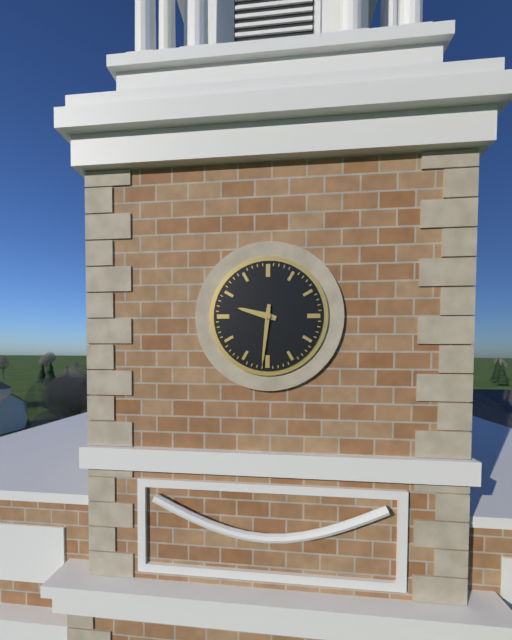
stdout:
{"hour": 9, "minute": 31}
